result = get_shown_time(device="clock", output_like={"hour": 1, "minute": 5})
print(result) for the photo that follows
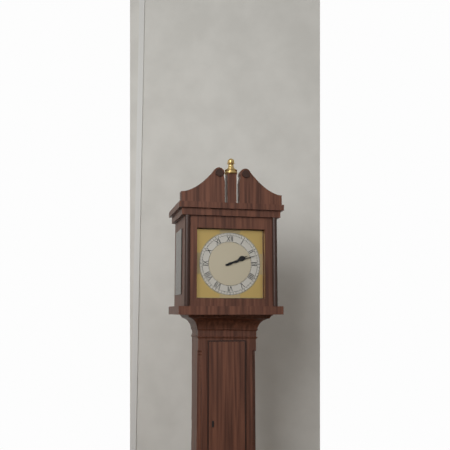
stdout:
{"hour": 2, "minute": 12}
